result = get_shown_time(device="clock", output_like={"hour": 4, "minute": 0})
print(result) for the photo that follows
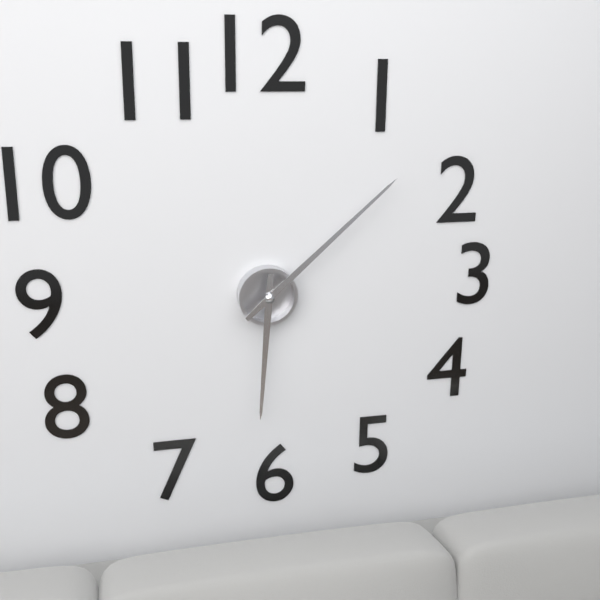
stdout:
{"hour": 6, "minute": 8}
